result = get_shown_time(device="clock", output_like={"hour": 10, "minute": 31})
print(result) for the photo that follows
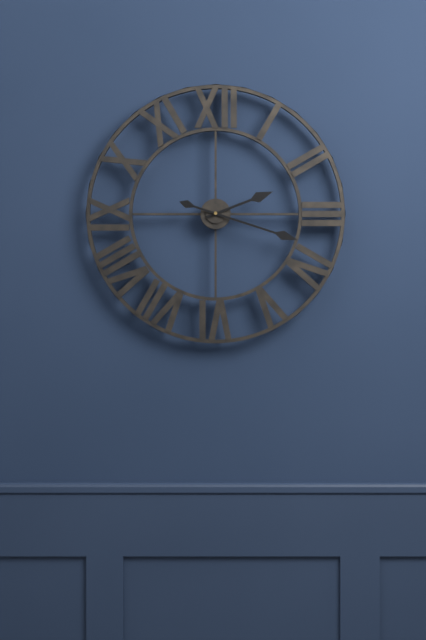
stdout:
{"hour": 2, "minute": 18}
